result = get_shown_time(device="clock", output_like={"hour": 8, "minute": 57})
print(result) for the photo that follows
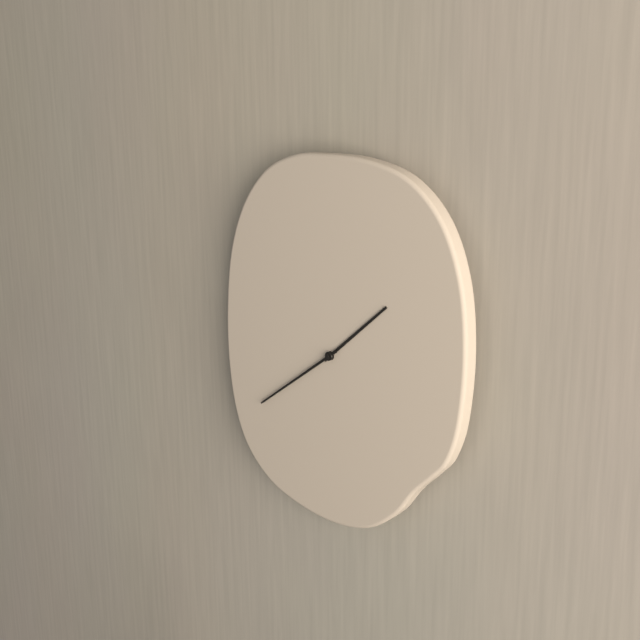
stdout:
{"hour": 1, "minute": 39}
